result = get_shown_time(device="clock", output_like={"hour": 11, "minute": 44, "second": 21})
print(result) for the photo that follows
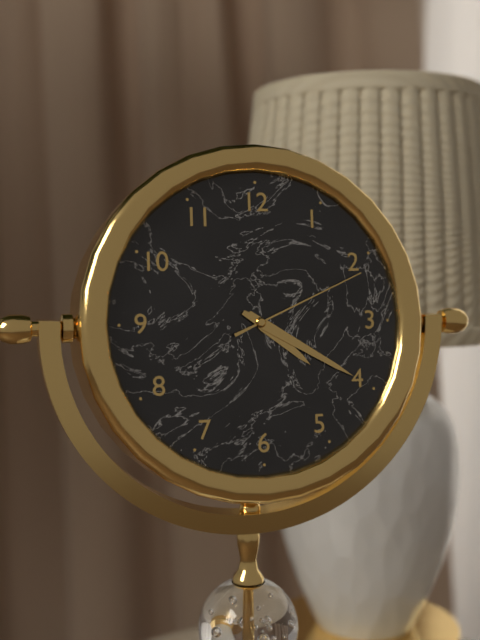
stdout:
{"hour": 4, "minute": 20, "second": 11}
